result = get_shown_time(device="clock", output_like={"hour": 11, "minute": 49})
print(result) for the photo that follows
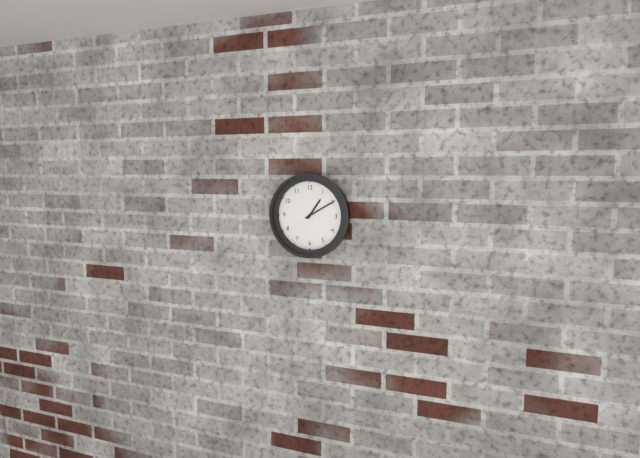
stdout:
{"hour": 1, "minute": 10}
